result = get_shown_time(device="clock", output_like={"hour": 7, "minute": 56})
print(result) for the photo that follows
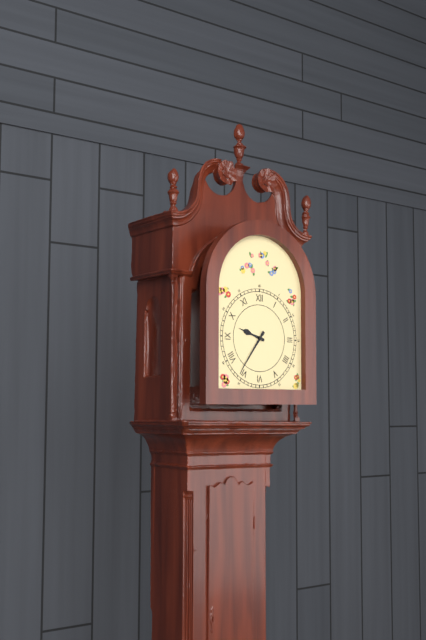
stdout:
{"hour": 9, "minute": 36}
